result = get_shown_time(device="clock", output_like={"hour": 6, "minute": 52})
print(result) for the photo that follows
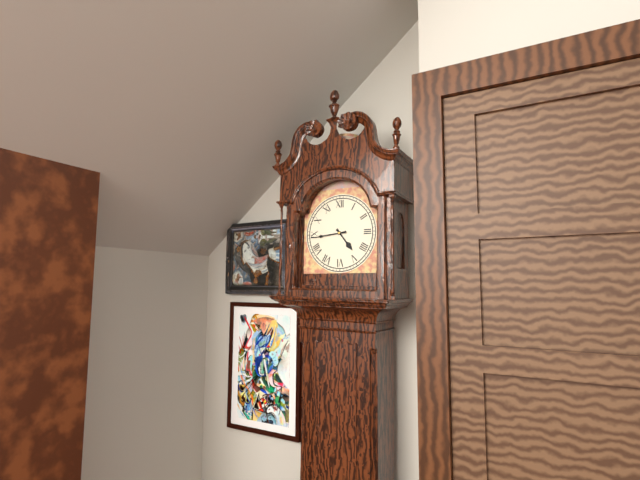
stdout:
{"hour": 4, "minute": 44}
